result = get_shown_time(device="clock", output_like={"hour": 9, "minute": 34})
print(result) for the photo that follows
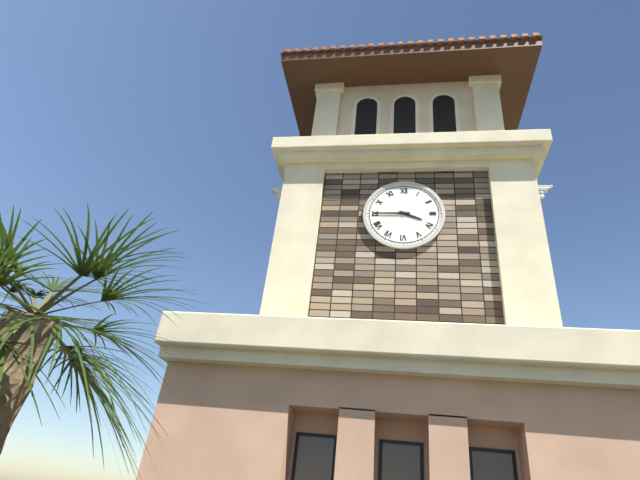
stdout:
{"hour": 3, "minute": 45}
